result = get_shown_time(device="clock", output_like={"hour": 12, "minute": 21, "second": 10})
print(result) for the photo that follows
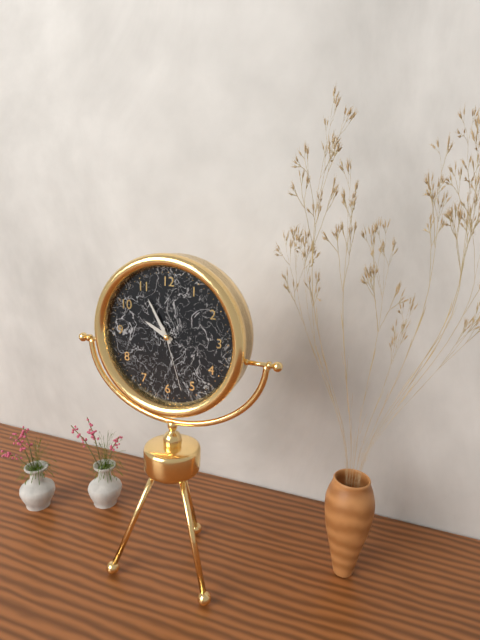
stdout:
{"hour": 9, "minute": 55, "second": 27}
